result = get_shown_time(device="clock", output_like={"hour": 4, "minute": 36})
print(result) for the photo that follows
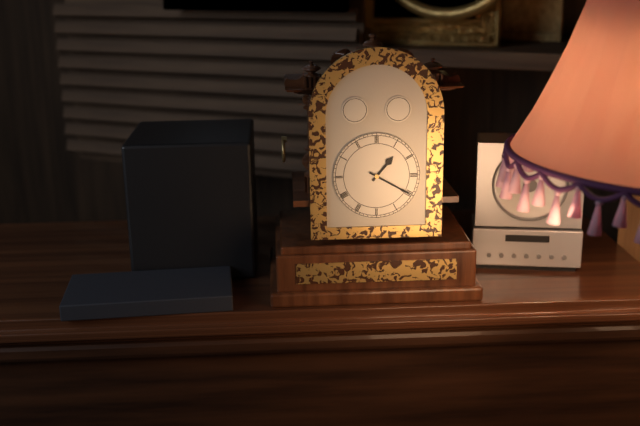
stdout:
{"hour": 1, "minute": 20}
